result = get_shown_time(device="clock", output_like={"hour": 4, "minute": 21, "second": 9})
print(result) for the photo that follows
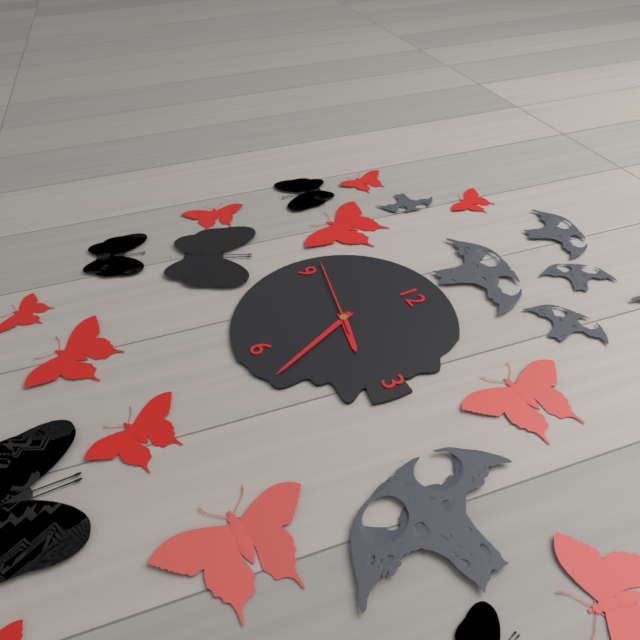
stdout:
{"hour": 3, "minute": 26, "second": 47}
